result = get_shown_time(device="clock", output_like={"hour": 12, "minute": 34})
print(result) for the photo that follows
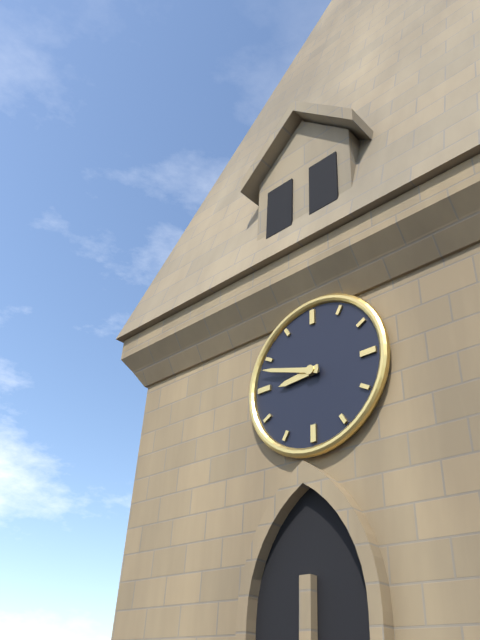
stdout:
{"hour": 8, "minute": 48}
